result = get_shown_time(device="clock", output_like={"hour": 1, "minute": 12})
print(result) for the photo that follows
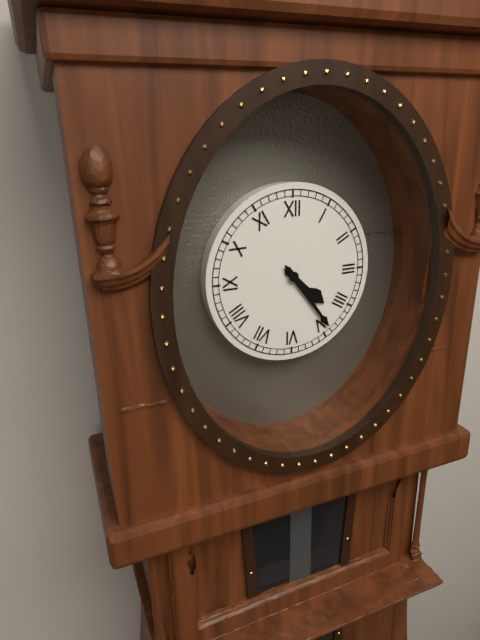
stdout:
{"hour": 4, "minute": 24}
